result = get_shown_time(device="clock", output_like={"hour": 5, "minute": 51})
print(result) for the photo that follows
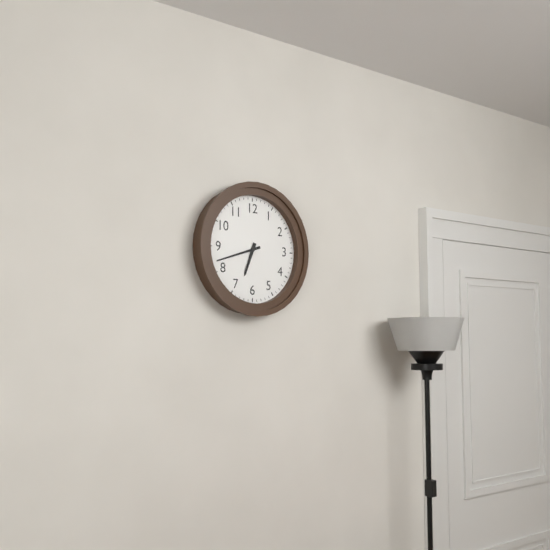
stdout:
{"hour": 6, "minute": 42}
